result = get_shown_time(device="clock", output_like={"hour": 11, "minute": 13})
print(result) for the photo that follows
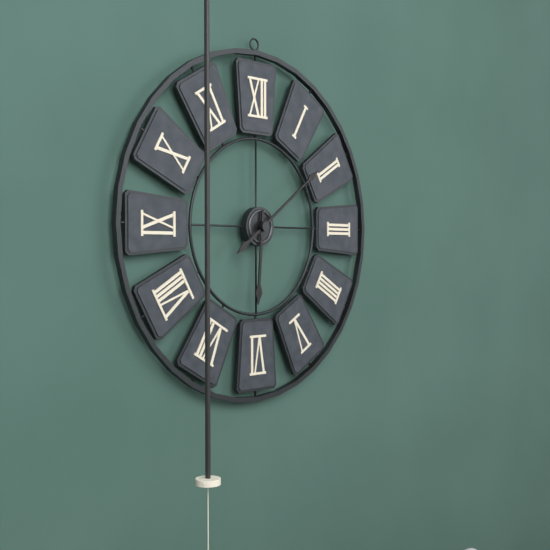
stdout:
{"hour": 6, "minute": 9}
